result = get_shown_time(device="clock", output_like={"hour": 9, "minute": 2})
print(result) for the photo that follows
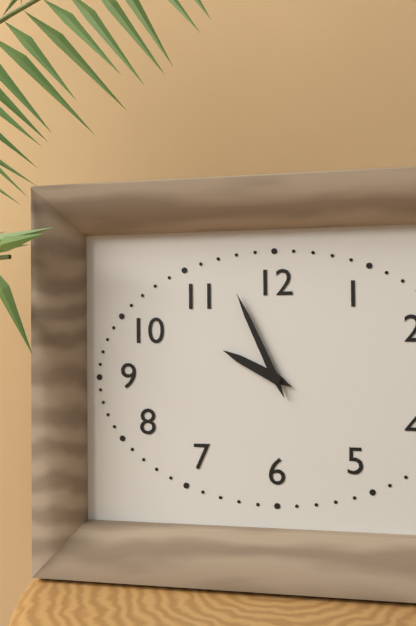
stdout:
{"hour": 9, "minute": 56}
